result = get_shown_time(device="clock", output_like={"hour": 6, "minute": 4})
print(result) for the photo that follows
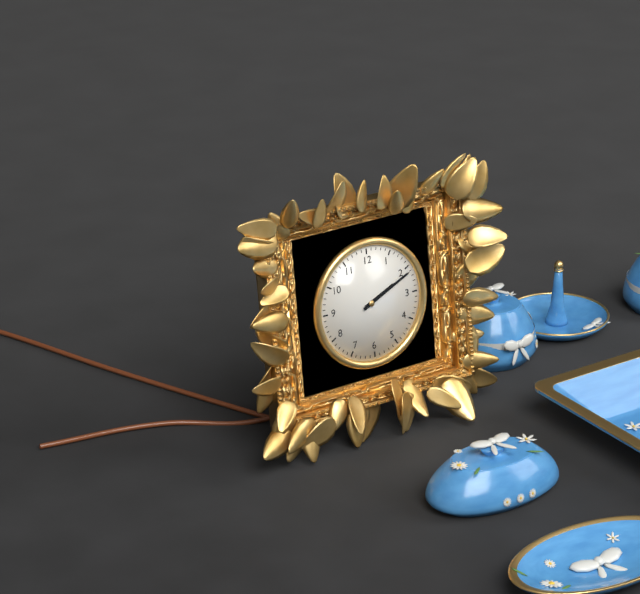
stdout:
{"hour": 2, "minute": 11}
